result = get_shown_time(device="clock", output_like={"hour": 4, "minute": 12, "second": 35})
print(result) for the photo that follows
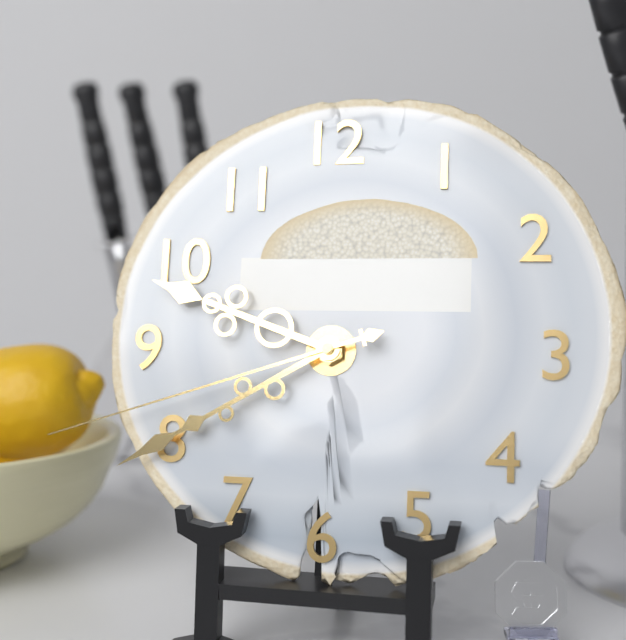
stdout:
{"hour": 9, "minute": 40, "second": 42}
